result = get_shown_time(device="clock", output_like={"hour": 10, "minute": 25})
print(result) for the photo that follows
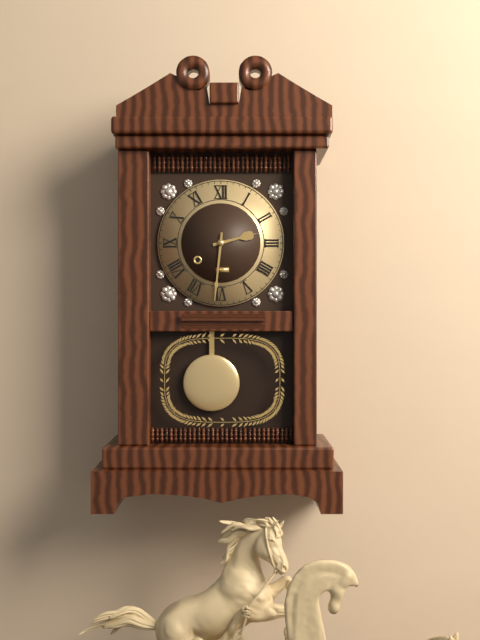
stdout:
{"hour": 2, "minute": 31}
